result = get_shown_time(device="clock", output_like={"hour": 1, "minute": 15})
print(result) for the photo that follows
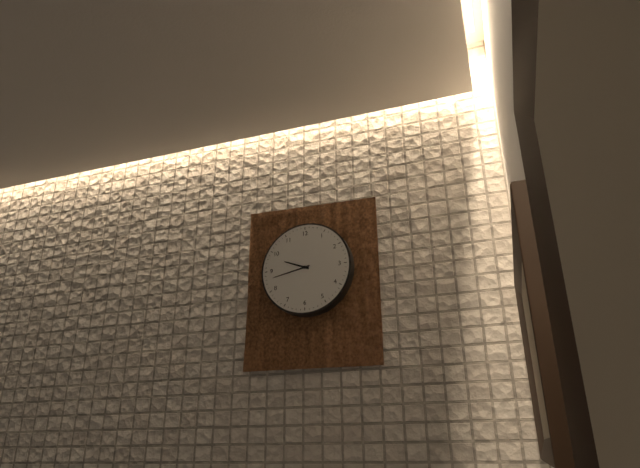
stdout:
{"hour": 9, "minute": 43}
